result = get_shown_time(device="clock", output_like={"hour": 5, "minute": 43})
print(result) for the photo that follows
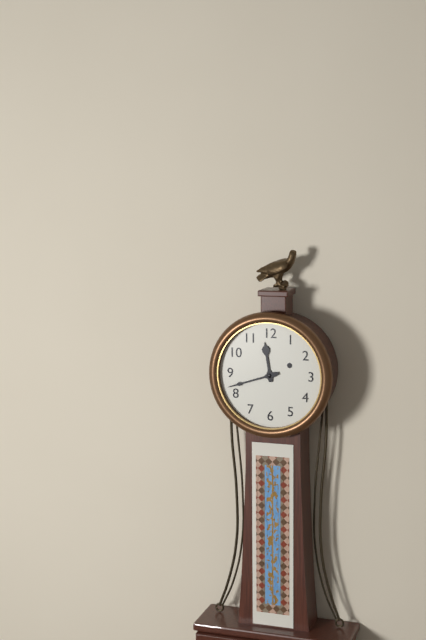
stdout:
{"hour": 11, "minute": 42}
